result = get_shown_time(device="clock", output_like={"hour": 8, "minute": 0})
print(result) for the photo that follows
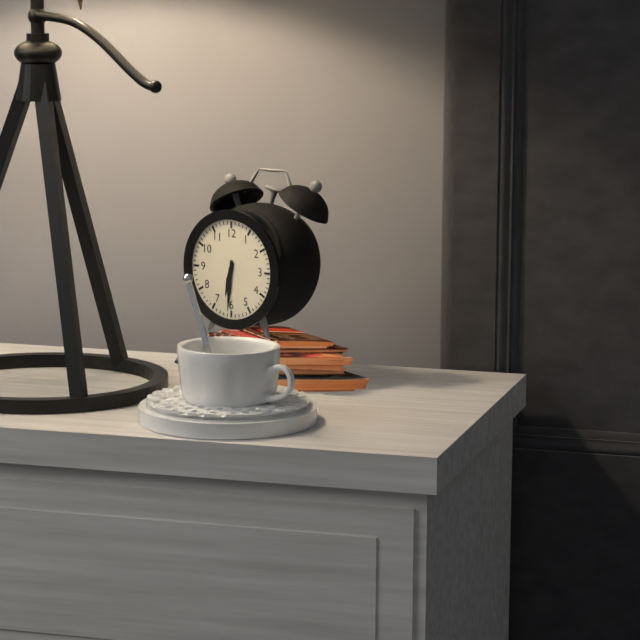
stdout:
{"hour": 6, "minute": 31}
